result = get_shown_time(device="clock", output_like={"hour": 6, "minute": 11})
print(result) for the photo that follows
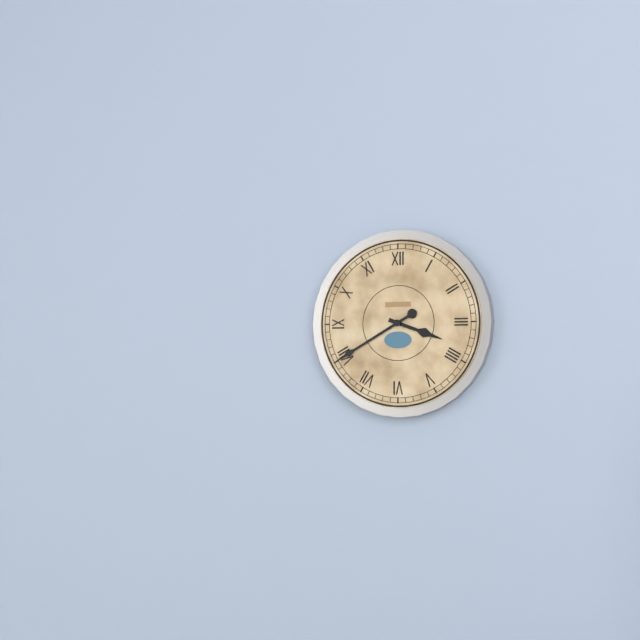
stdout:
{"hour": 3, "minute": 40}
